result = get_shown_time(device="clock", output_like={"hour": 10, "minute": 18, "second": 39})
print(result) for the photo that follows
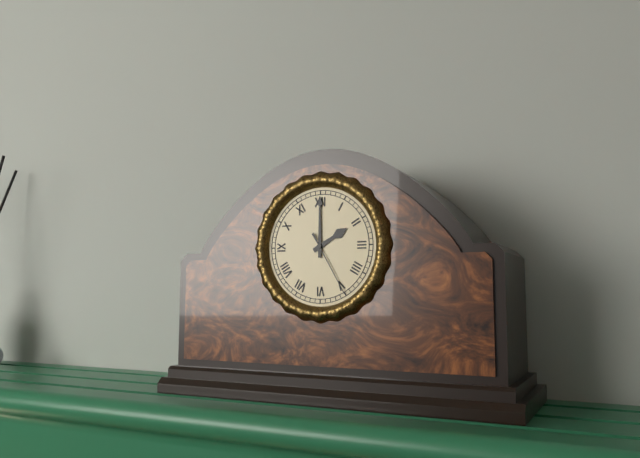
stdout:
{"hour": 2, "minute": 0, "second": 25}
